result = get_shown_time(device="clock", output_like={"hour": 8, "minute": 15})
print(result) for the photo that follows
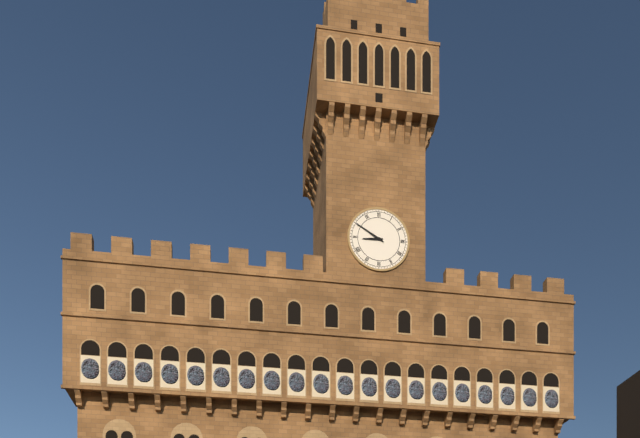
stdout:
{"hour": 8, "minute": 50}
